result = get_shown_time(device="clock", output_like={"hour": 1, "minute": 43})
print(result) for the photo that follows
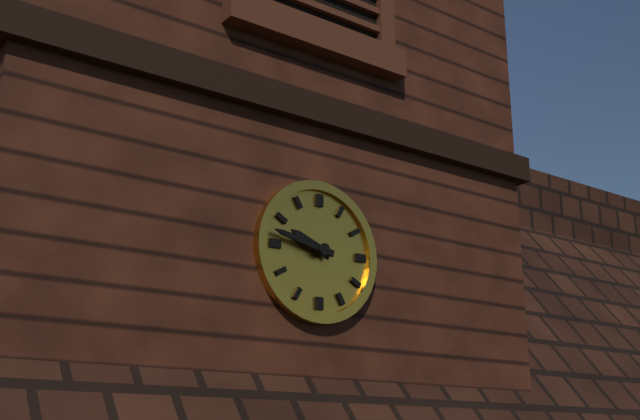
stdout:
{"hour": 9, "minute": 47}
